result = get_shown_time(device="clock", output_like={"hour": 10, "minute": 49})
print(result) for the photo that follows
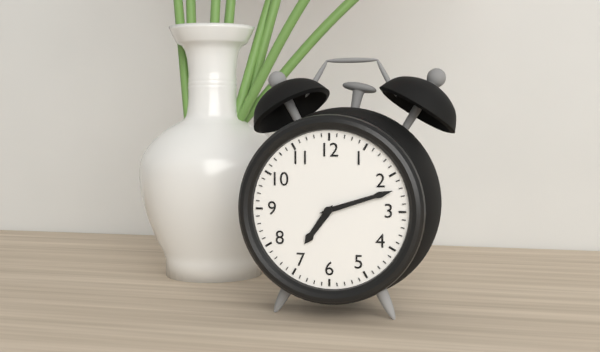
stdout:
{"hour": 7, "minute": 12}
